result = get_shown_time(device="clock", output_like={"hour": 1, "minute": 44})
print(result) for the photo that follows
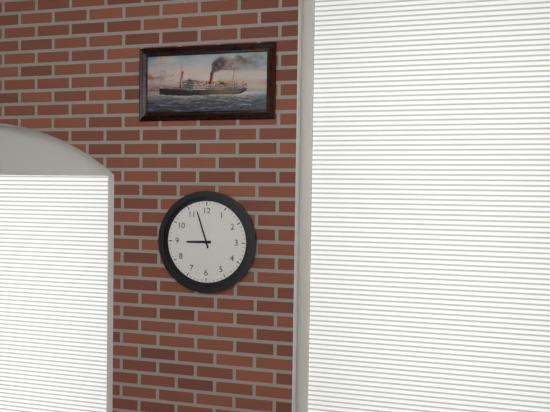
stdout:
{"hour": 8, "minute": 57}
